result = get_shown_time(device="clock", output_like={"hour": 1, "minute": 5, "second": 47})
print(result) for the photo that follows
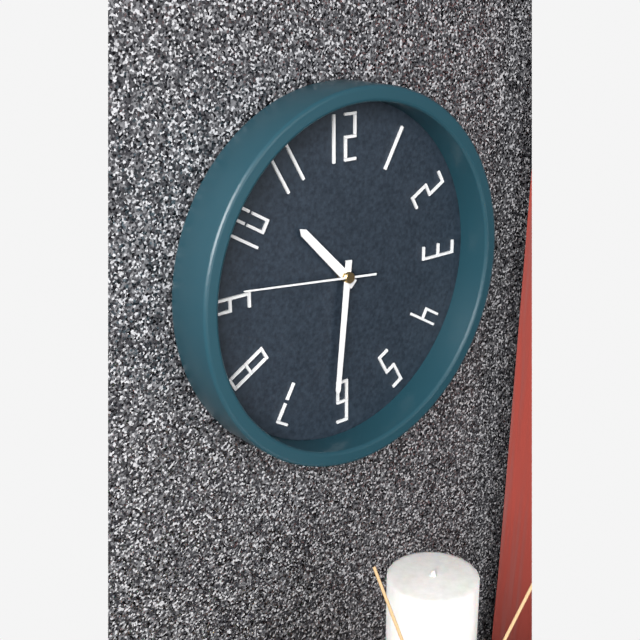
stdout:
{"hour": 10, "minute": 31, "second": 46}
